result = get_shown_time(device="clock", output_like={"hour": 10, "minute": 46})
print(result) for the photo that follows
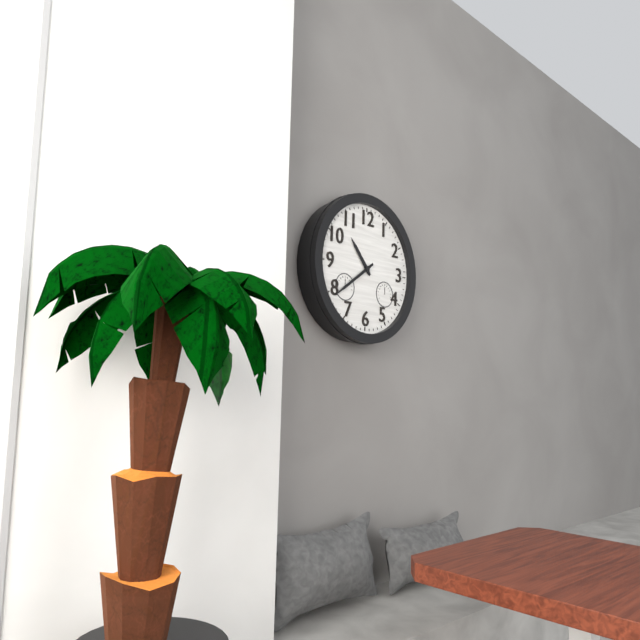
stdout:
{"hour": 10, "minute": 39}
